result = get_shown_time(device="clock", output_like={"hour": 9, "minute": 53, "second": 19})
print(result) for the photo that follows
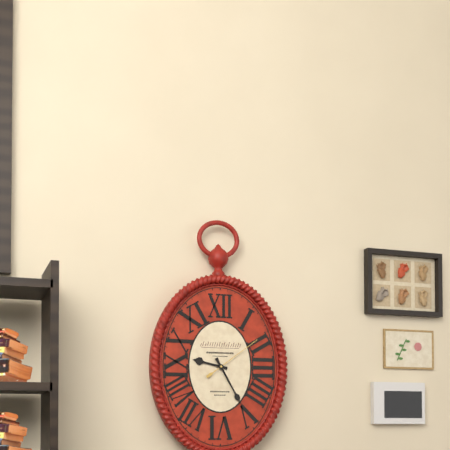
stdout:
{"hour": 9, "minute": 25, "second": 9}
